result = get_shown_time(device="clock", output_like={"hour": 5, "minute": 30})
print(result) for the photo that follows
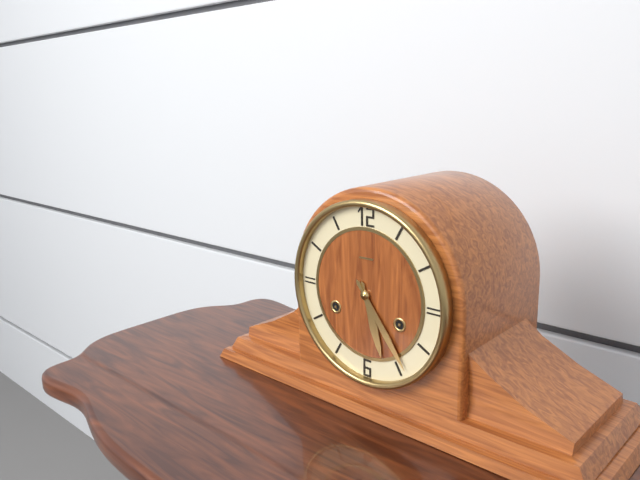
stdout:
{"hour": 5, "minute": 24}
